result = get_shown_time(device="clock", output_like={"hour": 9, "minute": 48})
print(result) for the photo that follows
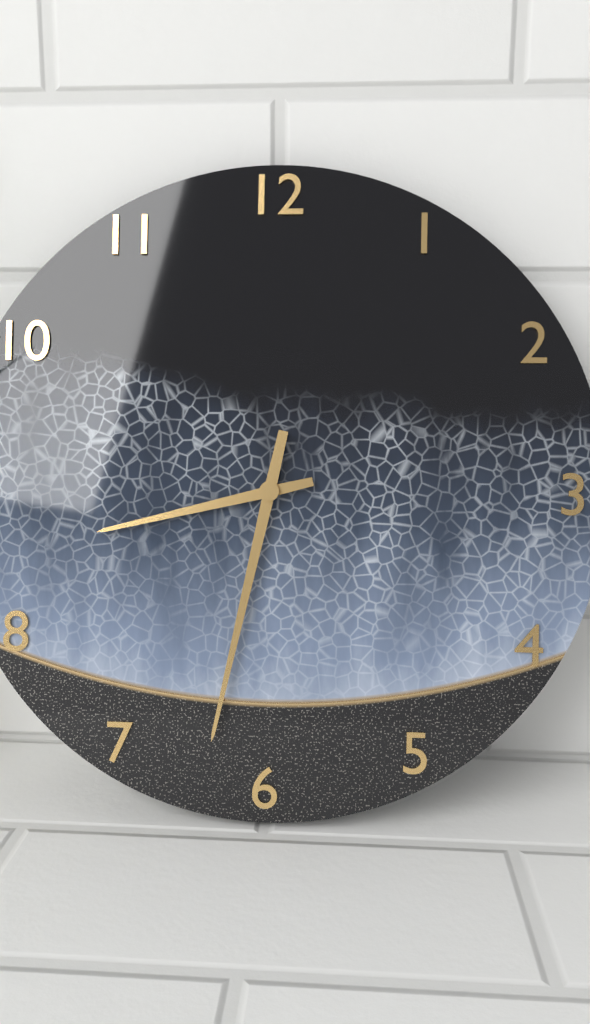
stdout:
{"hour": 8, "minute": 32}
